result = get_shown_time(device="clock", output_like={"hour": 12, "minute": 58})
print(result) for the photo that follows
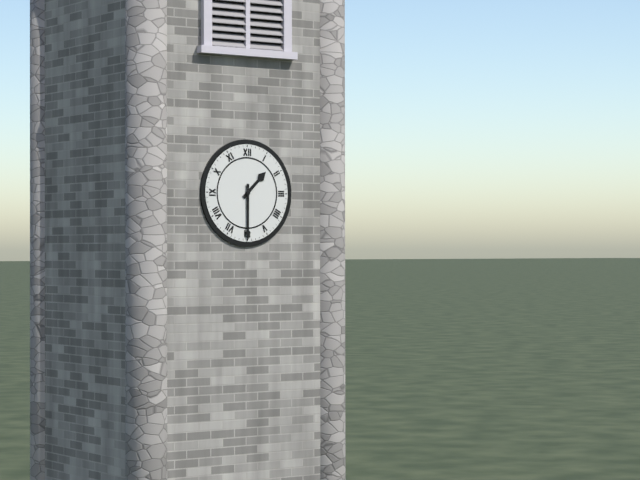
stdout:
{"hour": 1, "minute": 30}
